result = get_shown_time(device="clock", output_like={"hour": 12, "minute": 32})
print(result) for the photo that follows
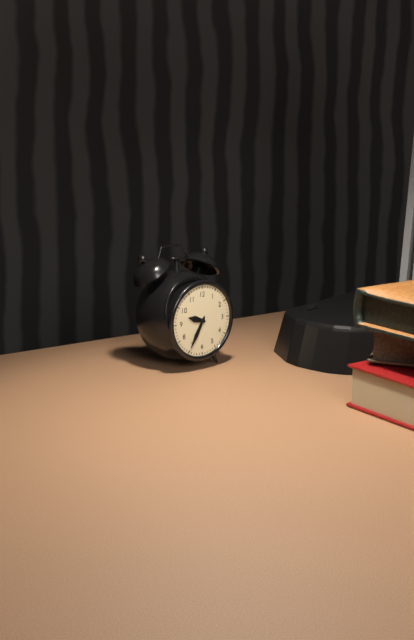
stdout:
{"hour": 9, "minute": 35}
